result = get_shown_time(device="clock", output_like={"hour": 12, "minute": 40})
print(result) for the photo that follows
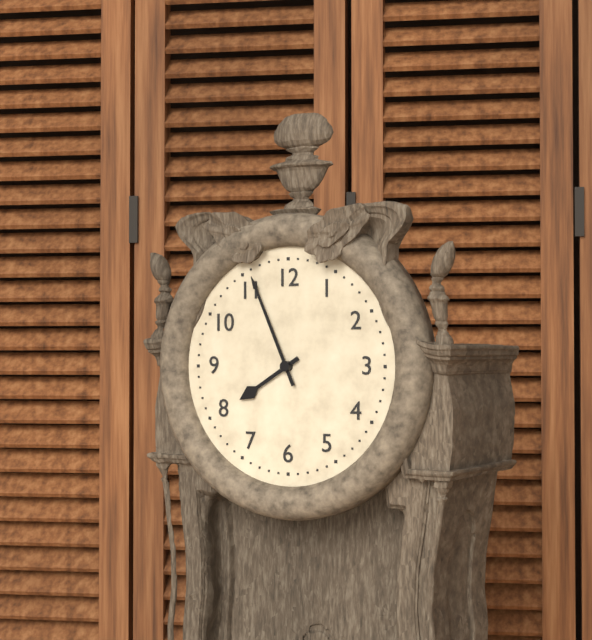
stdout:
{"hour": 7, "minute": 56}
